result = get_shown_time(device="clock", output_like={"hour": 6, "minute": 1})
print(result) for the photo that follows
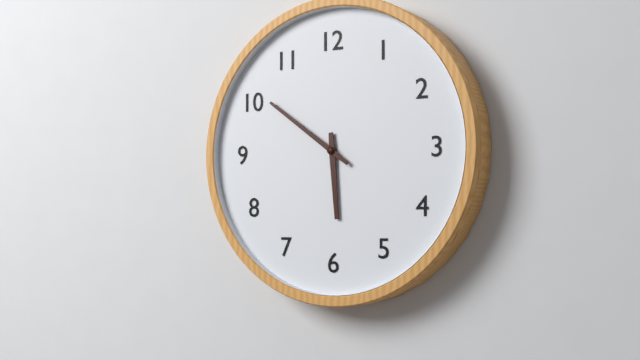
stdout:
{"hour": 5, "minute": 51}
